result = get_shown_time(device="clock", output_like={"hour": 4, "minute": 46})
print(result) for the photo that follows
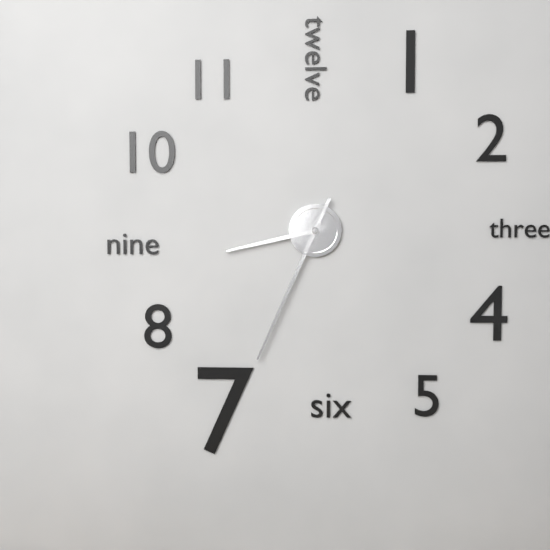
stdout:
{"hour": 8, "minute": 34}
